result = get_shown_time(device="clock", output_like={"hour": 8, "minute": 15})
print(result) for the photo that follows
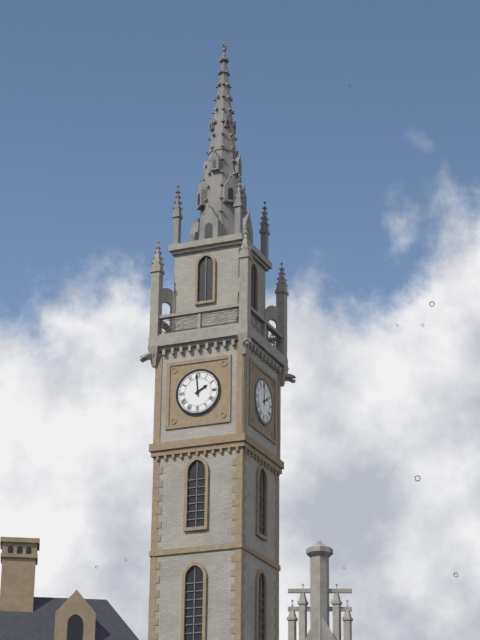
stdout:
{"hour": 1, "minute": 59}
